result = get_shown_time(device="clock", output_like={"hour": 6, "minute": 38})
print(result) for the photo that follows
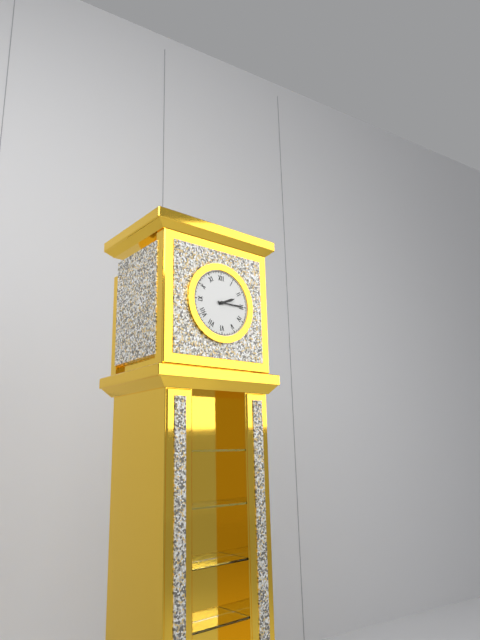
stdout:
{"hour": 2, "minute": 15}
